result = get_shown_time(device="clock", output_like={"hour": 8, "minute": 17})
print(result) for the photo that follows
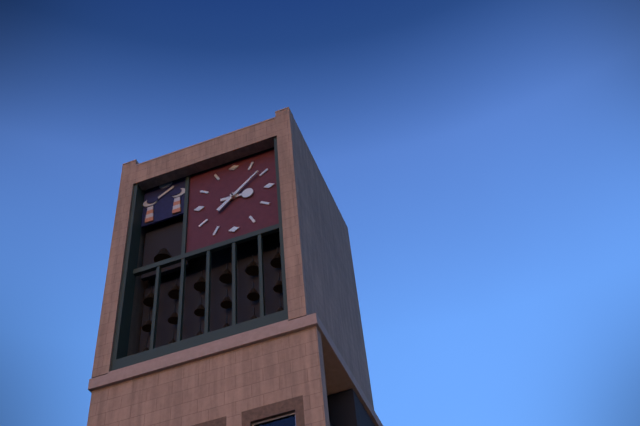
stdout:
{"hour": 3, "minute": 8}
